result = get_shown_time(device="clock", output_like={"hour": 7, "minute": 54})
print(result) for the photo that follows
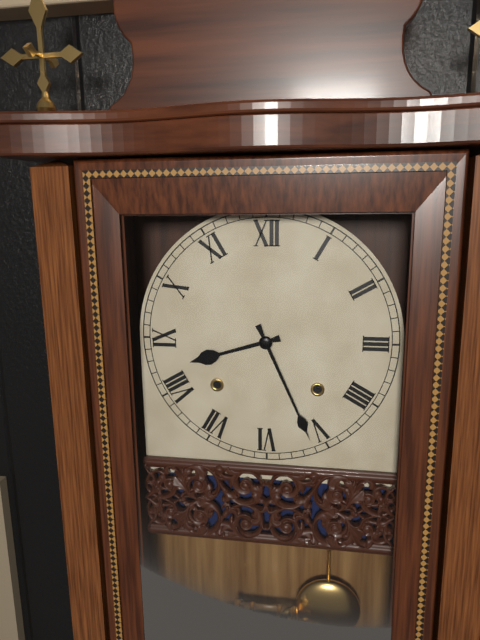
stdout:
{"hour": 8, "minute": 26}
